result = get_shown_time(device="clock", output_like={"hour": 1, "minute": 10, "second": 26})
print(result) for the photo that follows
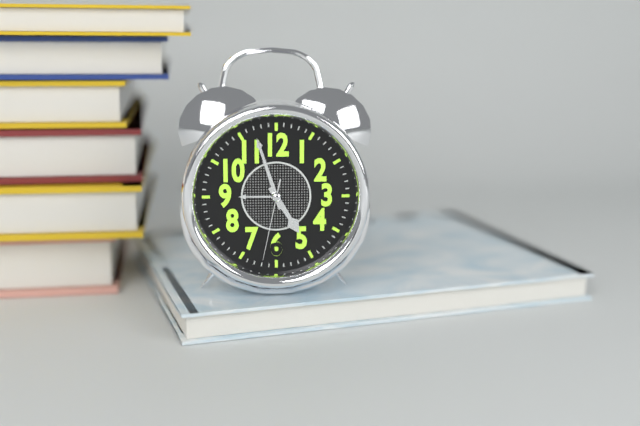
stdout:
{"hour": 4, "minute": 57, "second": 32}
